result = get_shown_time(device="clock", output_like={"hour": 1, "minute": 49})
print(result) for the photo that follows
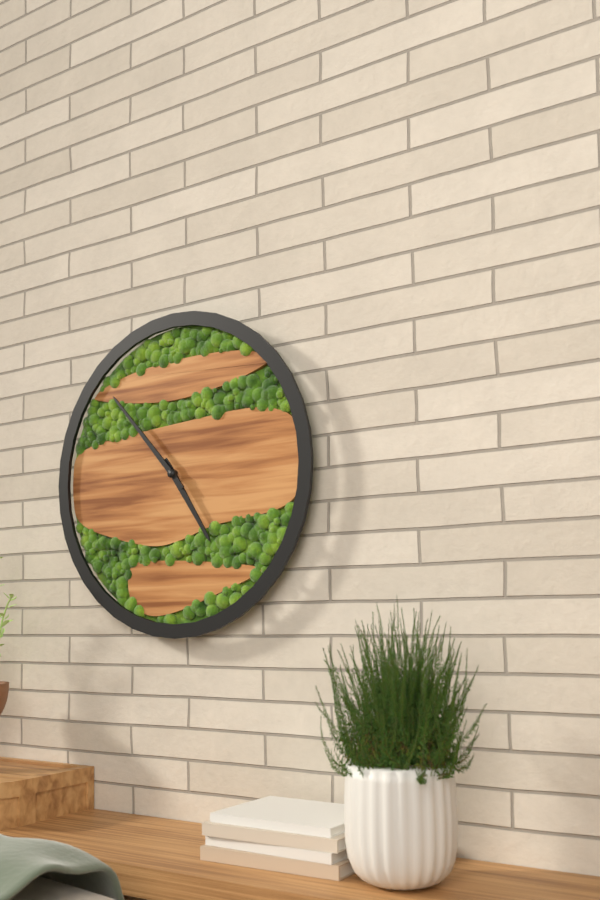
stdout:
{"hour": 4, "minute": 53}
